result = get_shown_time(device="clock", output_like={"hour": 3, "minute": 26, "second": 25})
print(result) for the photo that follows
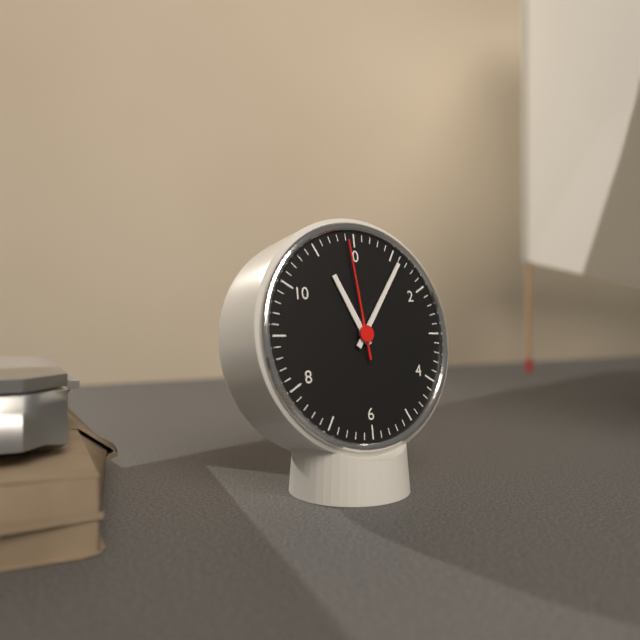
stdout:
{"hour": 11, "minute": 6, "second": 59}
